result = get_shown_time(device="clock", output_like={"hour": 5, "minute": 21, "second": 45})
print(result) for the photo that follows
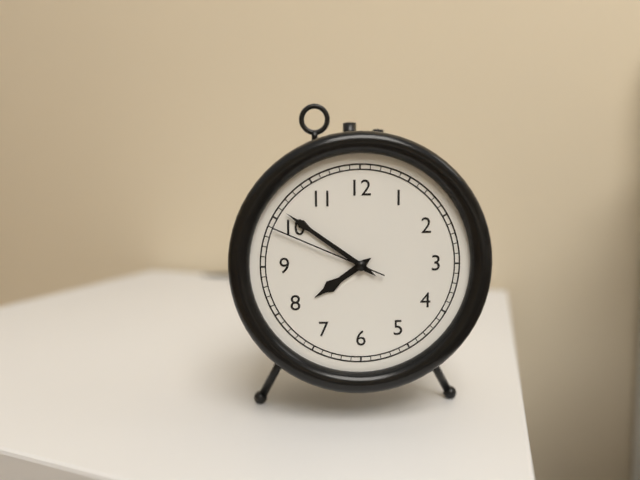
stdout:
{"hour": 7, "minute": 51, "second": 49}
